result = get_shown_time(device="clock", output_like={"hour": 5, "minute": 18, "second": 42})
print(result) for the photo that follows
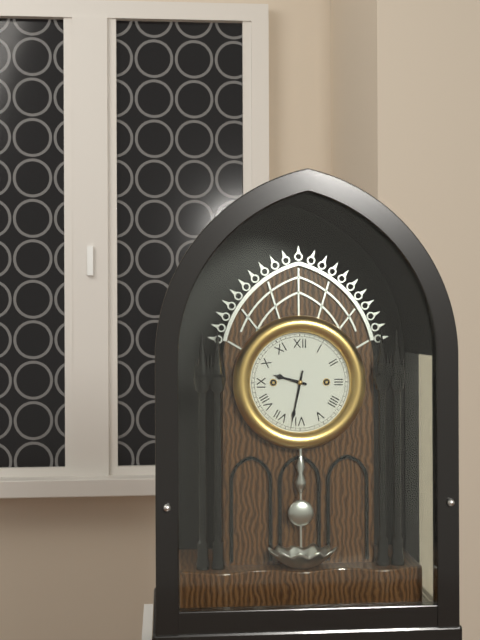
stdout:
{"hour": 9, "minute": 32, "second": 32}
